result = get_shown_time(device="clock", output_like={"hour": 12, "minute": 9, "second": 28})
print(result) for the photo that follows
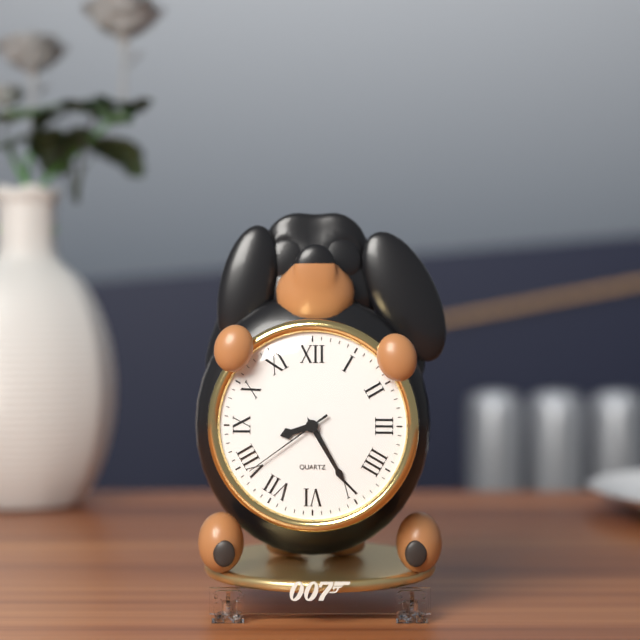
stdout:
{"hour": 8, "minute": 25, "second": 39}
